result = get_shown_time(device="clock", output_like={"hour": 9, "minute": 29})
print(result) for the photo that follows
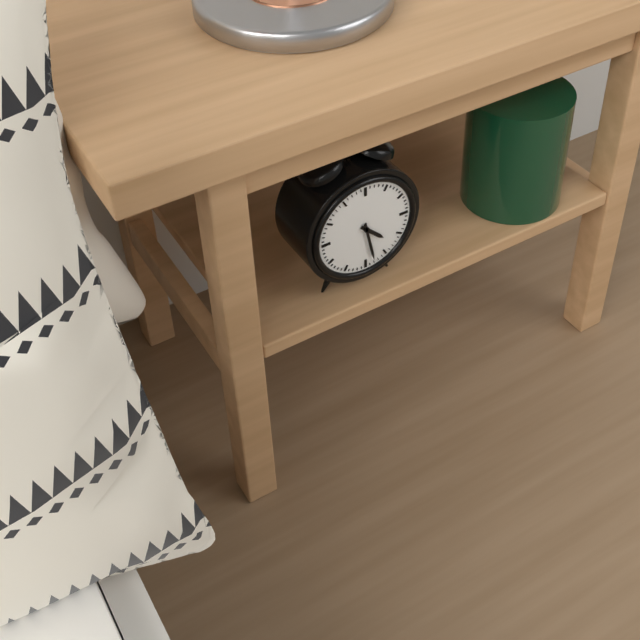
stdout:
{"hour": 4, "minute": 28}
